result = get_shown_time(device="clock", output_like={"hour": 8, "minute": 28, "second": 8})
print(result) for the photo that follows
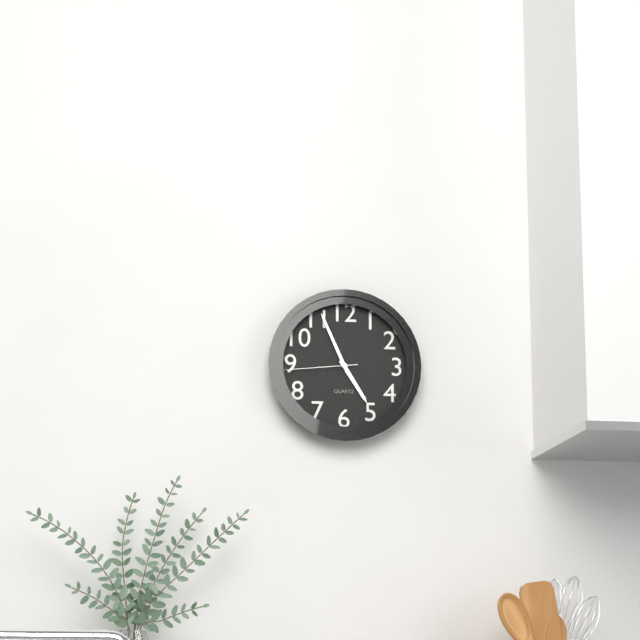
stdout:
{"hour": 4, "minute": 56, "second": 44}
